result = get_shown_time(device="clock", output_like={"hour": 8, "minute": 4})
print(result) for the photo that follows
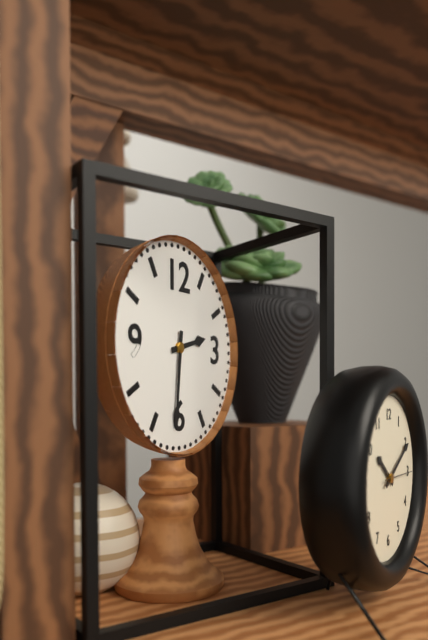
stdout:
{"hour": 2, "minute": 31}
